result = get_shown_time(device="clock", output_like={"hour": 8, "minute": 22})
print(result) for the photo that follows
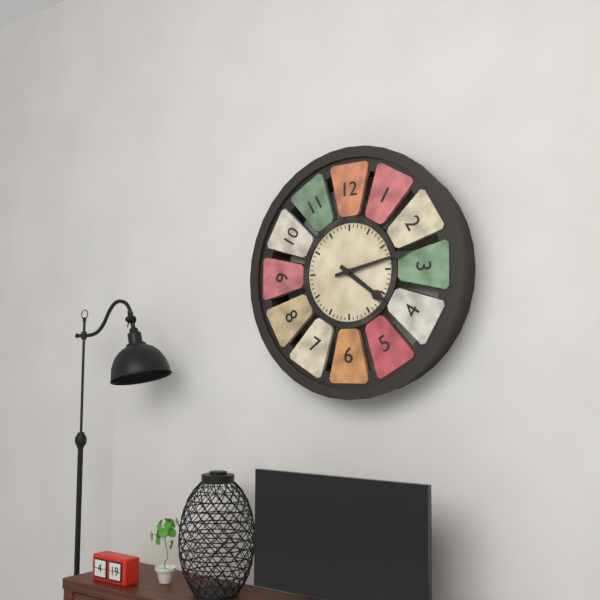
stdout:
{"hour": 4, "minute": 13}
